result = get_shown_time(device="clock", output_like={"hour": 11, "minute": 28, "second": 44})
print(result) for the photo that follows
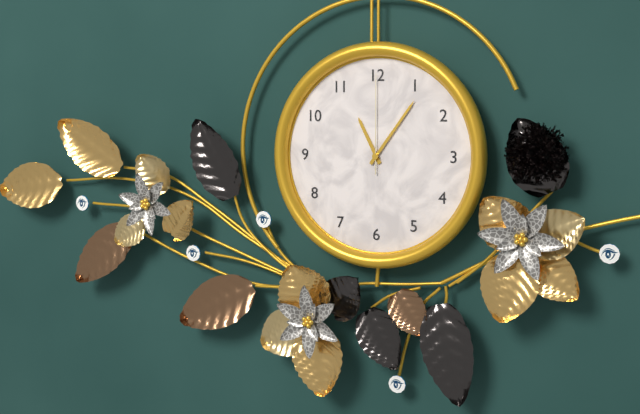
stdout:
{"hour": 11, "minute": 6, "second": 0}
